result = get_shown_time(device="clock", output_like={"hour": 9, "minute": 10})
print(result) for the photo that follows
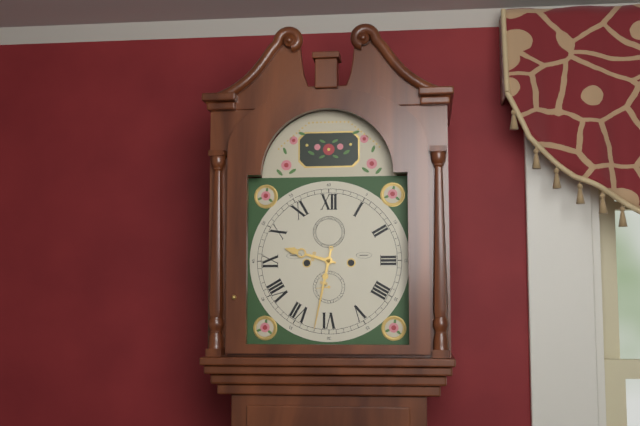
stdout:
{"hour": 9, "minute": 32}
